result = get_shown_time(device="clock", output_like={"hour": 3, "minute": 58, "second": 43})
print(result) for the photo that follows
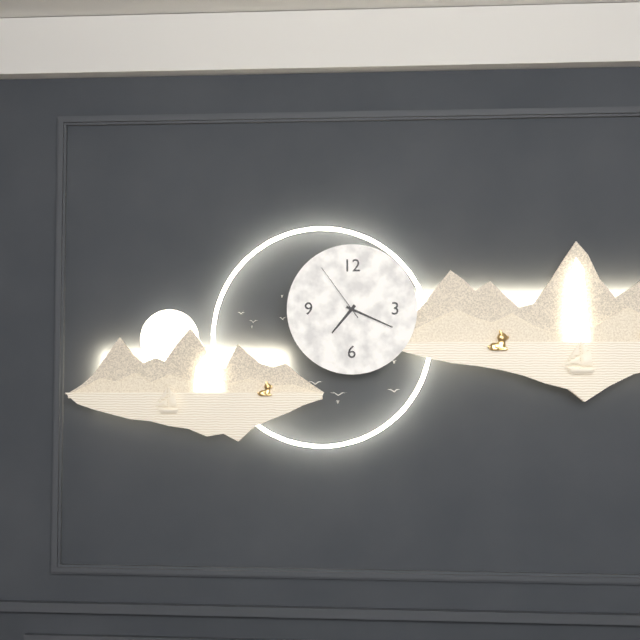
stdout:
{"hour": 7, "minute": 19, "second": 54}
